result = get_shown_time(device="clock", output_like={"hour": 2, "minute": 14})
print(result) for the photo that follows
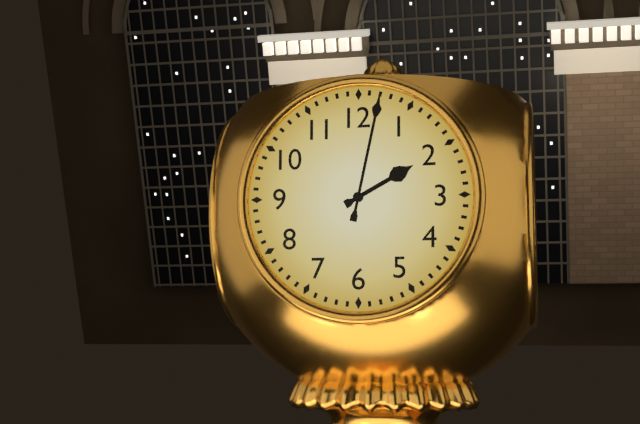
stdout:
{"hour": 2, "minute": 2}
